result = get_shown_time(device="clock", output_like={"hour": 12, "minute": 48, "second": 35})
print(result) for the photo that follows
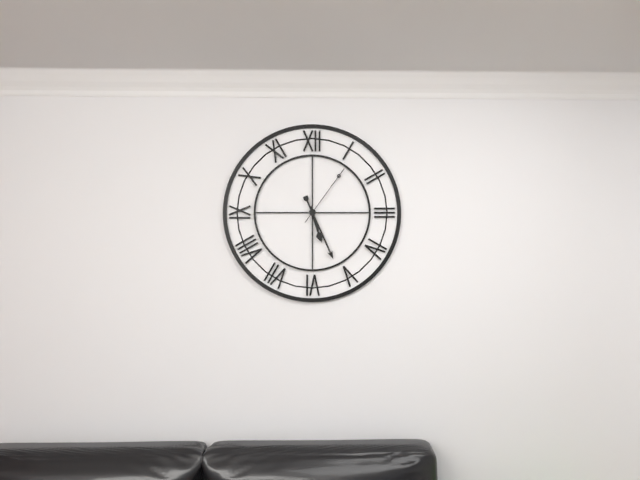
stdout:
{"hour": 5, "minute": 26, "second": 6}
